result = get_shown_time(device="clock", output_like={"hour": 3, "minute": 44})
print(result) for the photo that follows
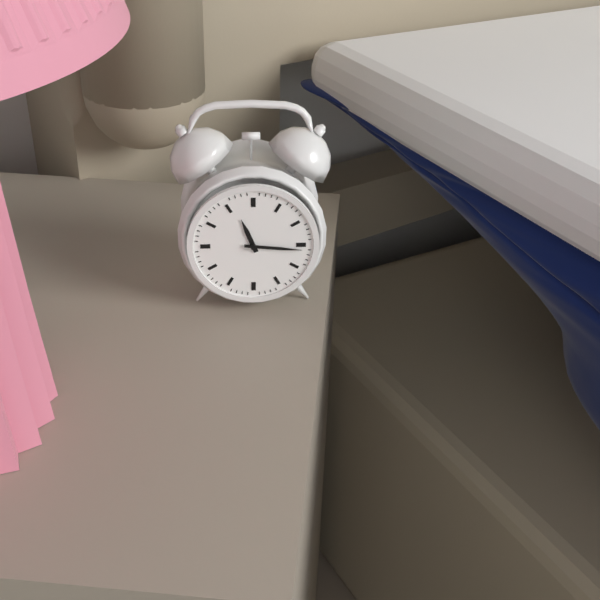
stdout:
{"hour": 11, "minute": 16}
